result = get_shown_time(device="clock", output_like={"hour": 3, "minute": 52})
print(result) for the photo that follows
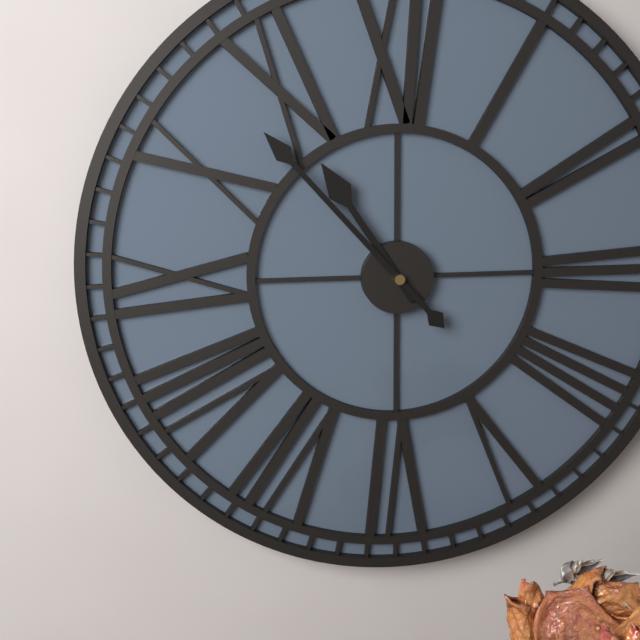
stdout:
{"hour": 10, "minute": 53}
